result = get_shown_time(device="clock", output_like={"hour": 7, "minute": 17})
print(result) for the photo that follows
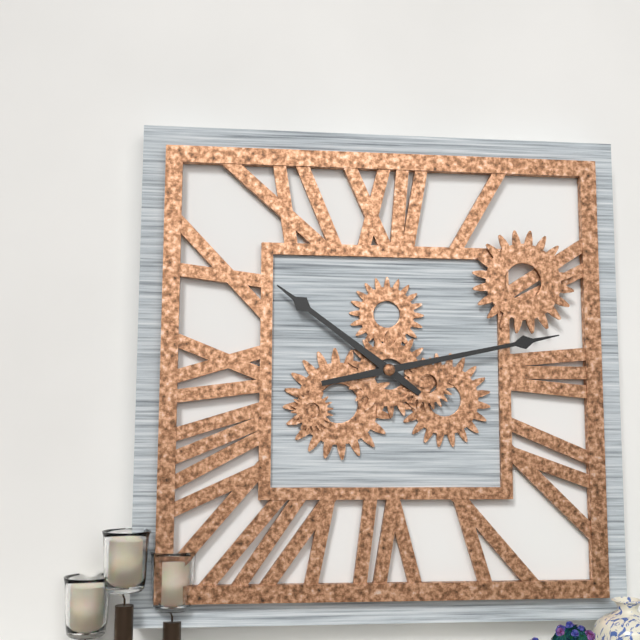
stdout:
{"hour": 10, "minute": 13}
